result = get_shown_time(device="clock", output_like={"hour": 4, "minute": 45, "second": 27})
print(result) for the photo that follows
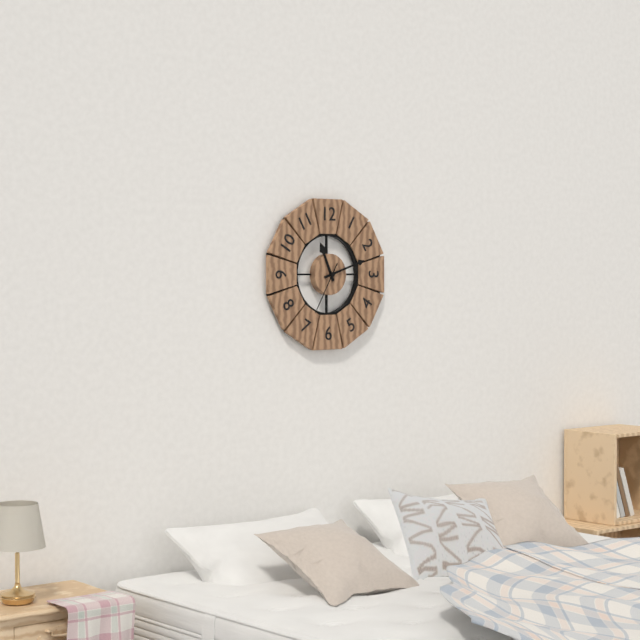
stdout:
{"hour": 11, "minute": 12, "second": 35}
